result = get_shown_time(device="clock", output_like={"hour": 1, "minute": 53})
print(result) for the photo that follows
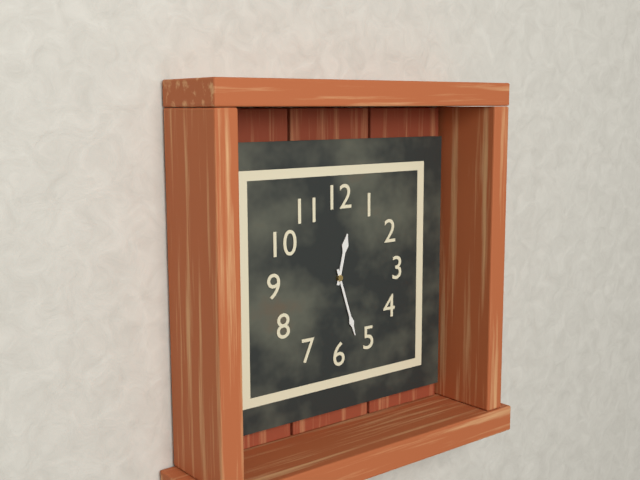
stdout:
{"hour": 12, "minute": 27}
